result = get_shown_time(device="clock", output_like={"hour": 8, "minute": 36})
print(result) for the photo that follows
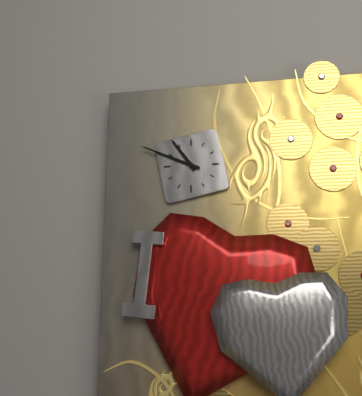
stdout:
{"hour": 10, "minute": 49}
